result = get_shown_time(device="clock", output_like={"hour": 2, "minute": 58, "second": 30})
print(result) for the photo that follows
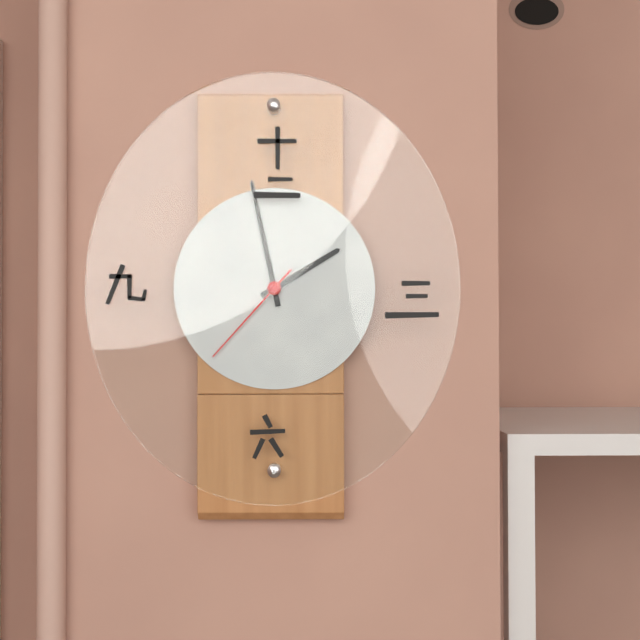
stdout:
{"hour": 1, "minute": 58, "second": 37}
